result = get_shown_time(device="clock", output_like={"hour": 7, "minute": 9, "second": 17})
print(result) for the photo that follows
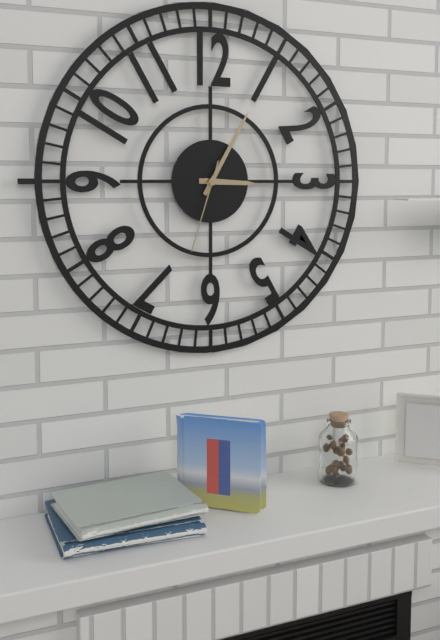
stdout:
{"hour": 3, "minute": 5, "second": 33}
